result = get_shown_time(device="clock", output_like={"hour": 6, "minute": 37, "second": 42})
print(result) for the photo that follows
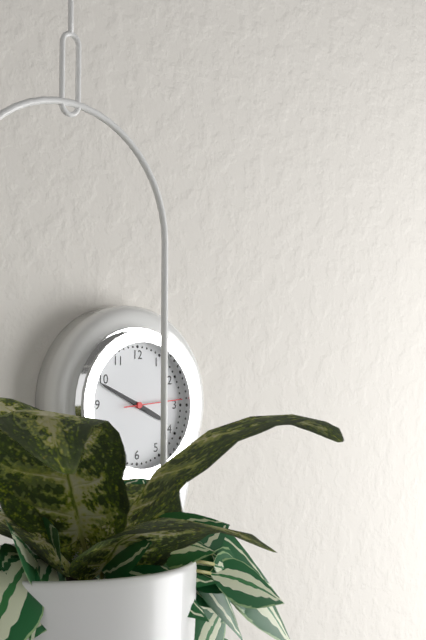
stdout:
{"hour": 3, "minute": 49, "second": 14}
